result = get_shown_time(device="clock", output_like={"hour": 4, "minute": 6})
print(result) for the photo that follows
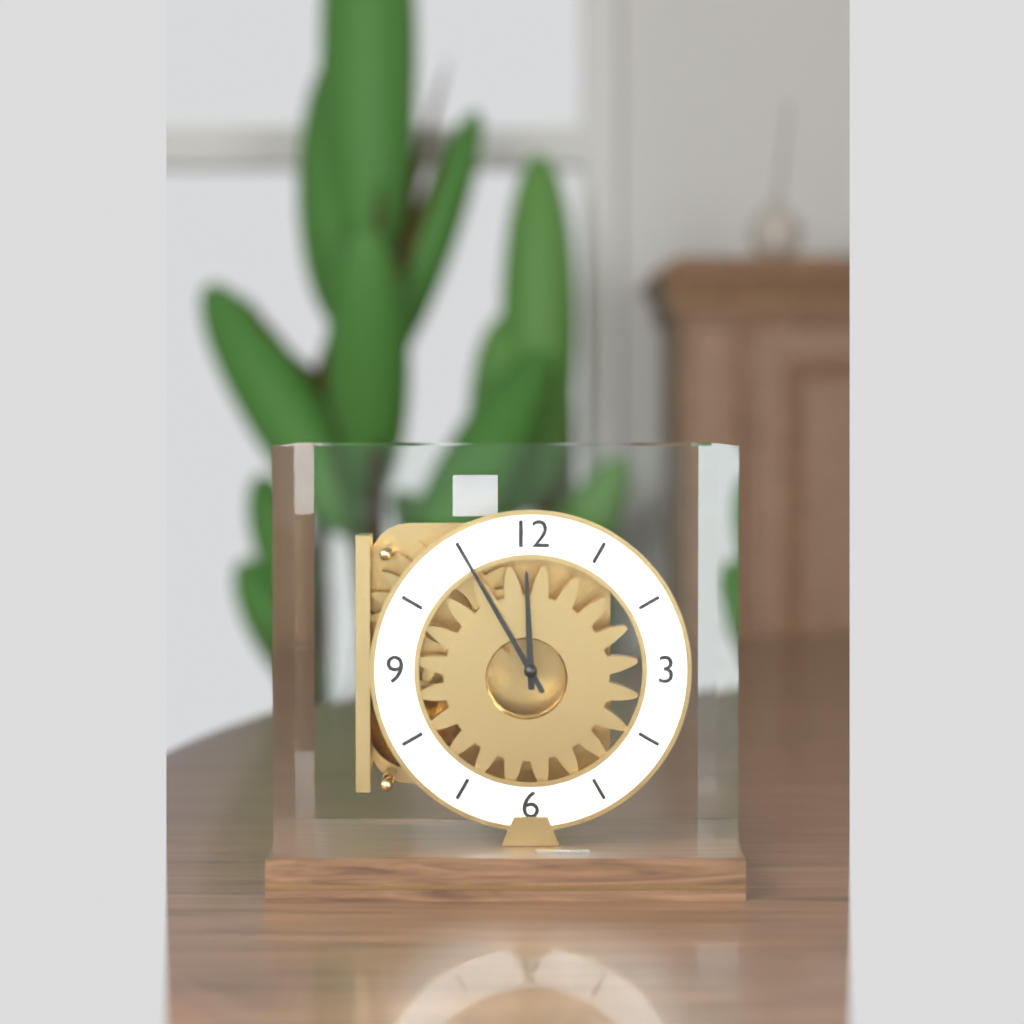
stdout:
{"hour": 11, "minute": 55}
